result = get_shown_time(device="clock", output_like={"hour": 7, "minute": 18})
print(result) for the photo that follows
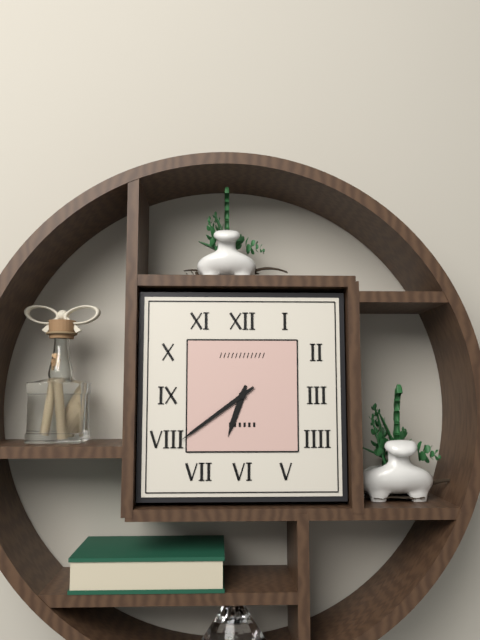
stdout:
{"hour": 6, "minute": 39}
